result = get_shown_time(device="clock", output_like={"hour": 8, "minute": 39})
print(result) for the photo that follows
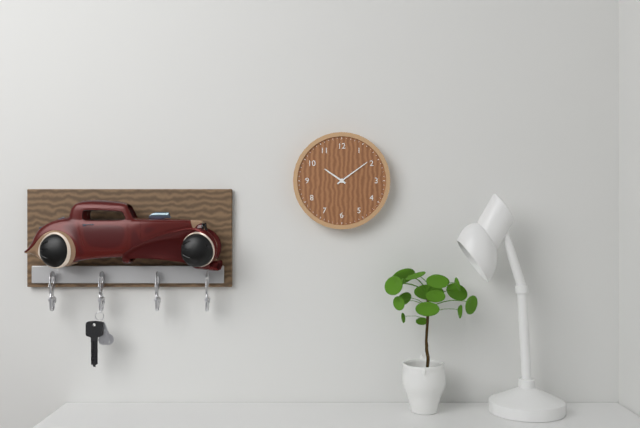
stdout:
{"hour": 10, "minute": 9}
